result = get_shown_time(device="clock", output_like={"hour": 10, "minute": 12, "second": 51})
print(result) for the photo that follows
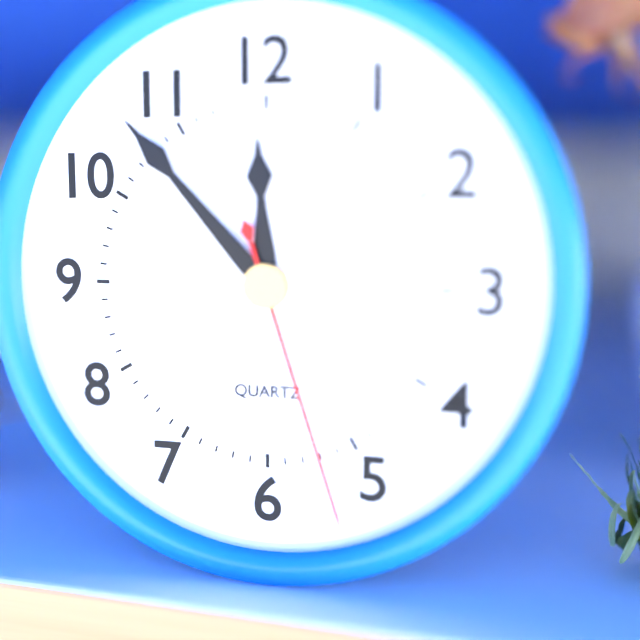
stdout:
{"hour": 11, "minute": 53, "second": 27}
